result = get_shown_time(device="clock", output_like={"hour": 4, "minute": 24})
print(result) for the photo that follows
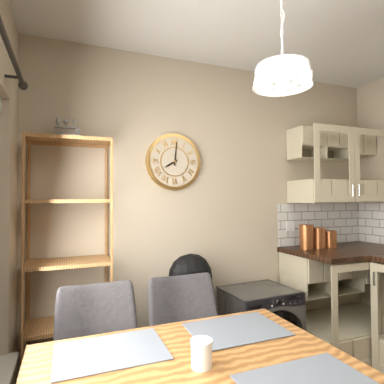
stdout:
{"hour": 8, "minute": 1}
